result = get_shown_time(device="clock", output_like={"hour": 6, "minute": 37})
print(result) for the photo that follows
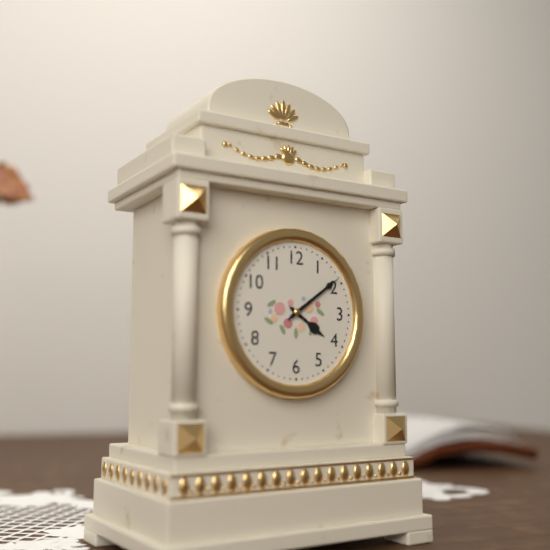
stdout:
{"hour": 4, "minute": 9}
